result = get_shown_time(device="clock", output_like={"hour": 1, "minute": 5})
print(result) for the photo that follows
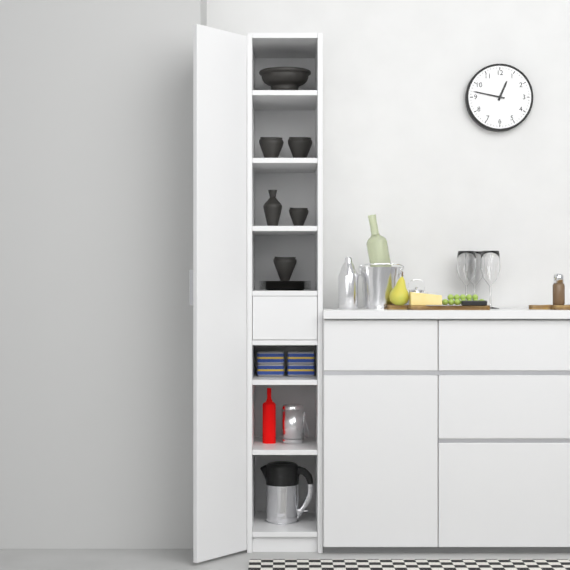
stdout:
{"hour": 12, "minute": 47}
